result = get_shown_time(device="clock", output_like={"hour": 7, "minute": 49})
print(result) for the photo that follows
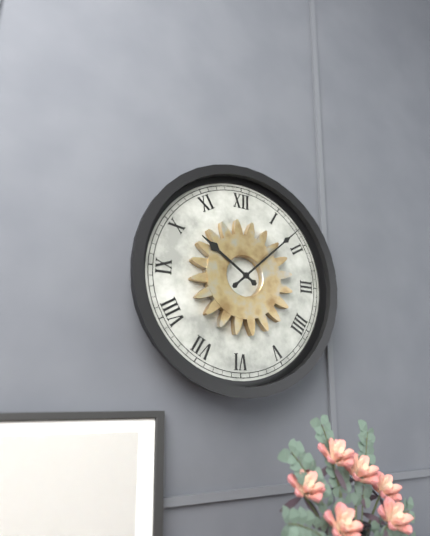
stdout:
{"hour": 10, "minute": 8}
